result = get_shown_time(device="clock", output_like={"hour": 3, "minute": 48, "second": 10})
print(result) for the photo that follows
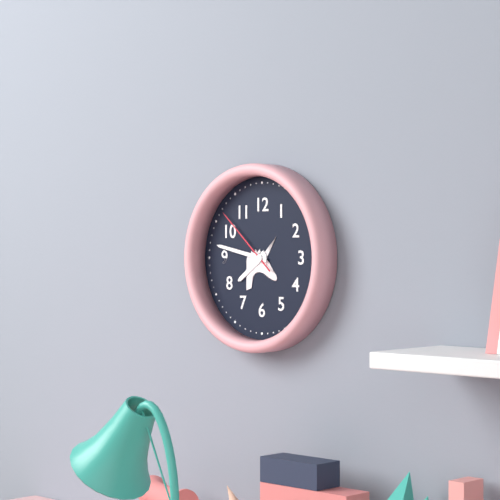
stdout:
{"hour": 7, "minute": 47, "second": 52}
